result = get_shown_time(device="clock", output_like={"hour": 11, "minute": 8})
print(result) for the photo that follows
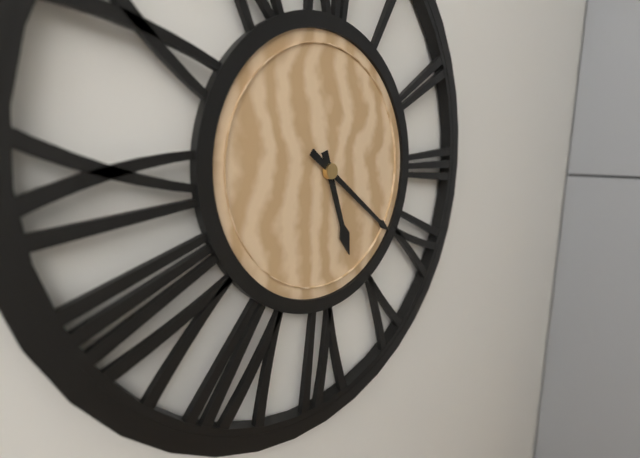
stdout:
{"hour": 5, "minute": 21}
